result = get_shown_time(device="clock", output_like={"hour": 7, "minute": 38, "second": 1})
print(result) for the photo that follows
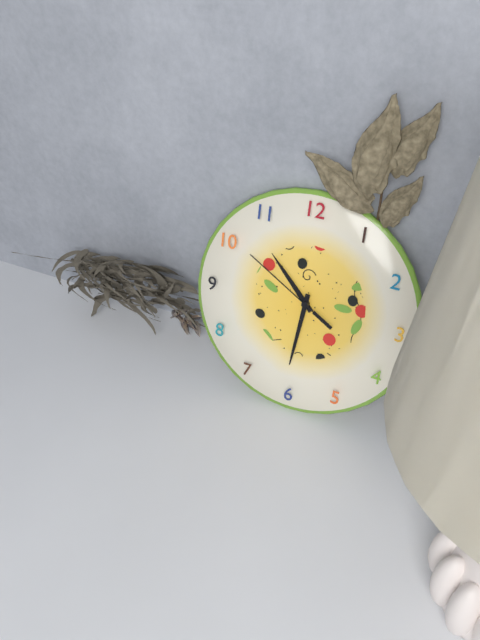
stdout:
{"hour": 10, "minute": 31, "second": 50}
